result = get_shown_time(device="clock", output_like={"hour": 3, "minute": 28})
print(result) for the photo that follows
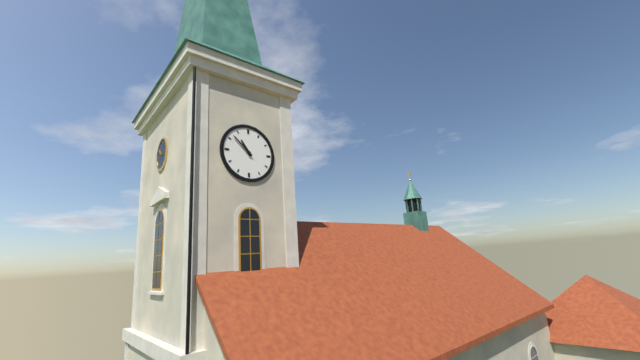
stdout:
{"hour": 10, "minute": 52}
